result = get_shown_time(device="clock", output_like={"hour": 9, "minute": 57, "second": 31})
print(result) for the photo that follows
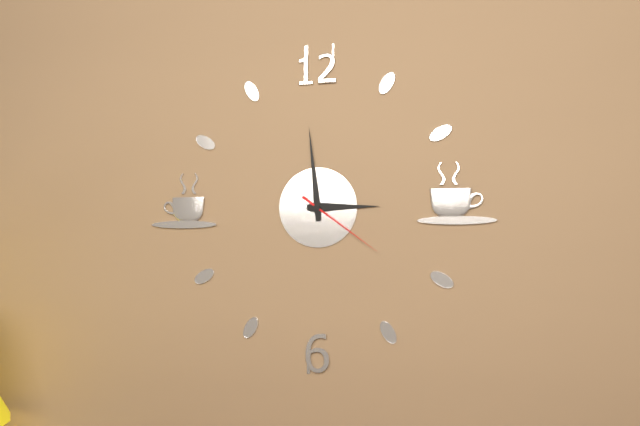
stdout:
{"hour": 2, "minute": 59, "second": 21}
